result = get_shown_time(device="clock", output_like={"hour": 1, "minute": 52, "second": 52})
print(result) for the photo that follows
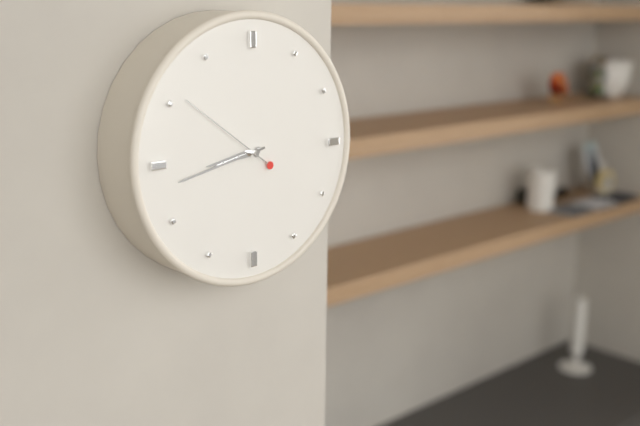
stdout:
{"hour": 8, "minute": 43, "second": 51}
